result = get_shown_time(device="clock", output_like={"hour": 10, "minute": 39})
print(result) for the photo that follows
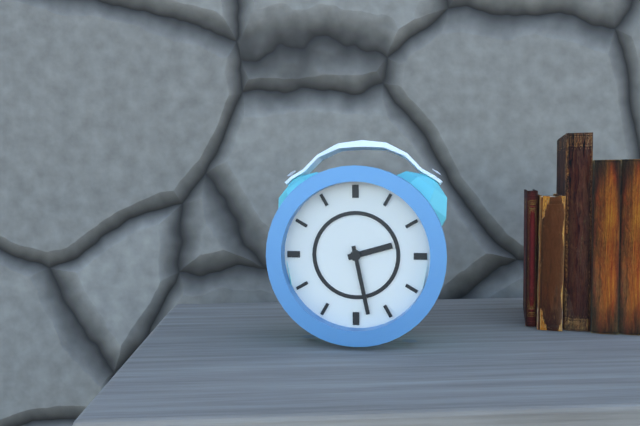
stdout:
{"hour": 2, "minute": 28}
